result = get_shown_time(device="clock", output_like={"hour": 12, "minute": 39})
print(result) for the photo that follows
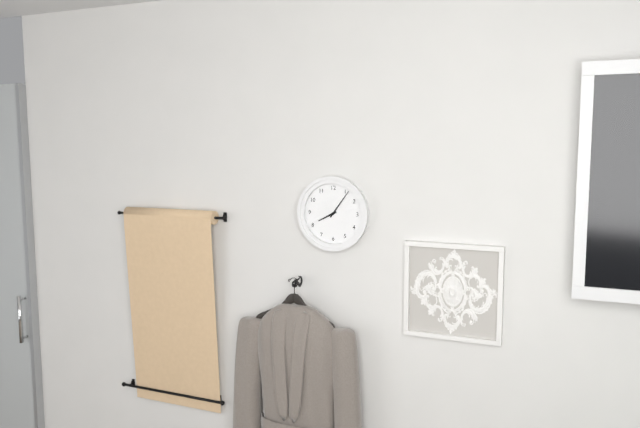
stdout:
{"hour": 8, "minute": 6}
